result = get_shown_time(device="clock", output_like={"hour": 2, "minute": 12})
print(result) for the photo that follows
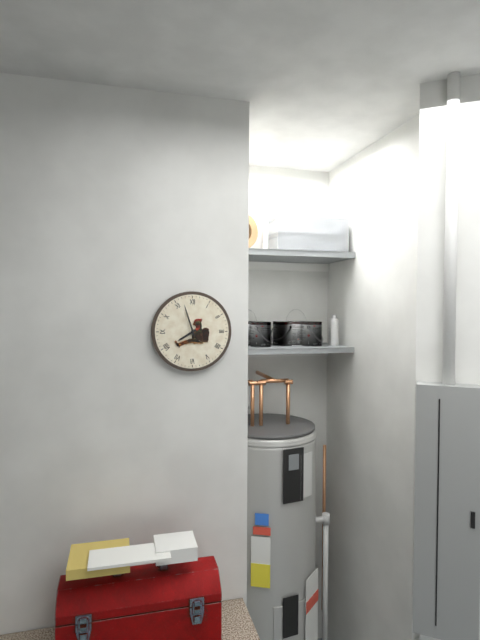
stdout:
{"hour": 7, "minute": 57}
